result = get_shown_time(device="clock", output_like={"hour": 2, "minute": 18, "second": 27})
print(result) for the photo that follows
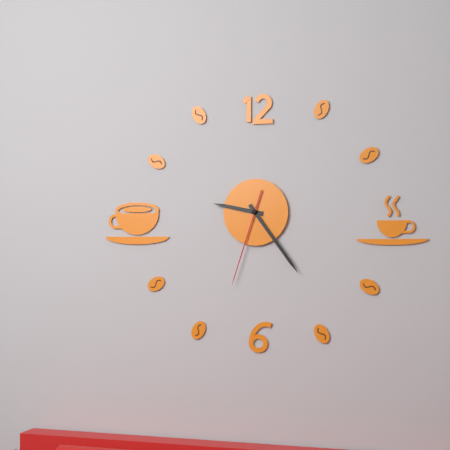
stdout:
{"hour": 9, "minute": 24, "second": 33}
